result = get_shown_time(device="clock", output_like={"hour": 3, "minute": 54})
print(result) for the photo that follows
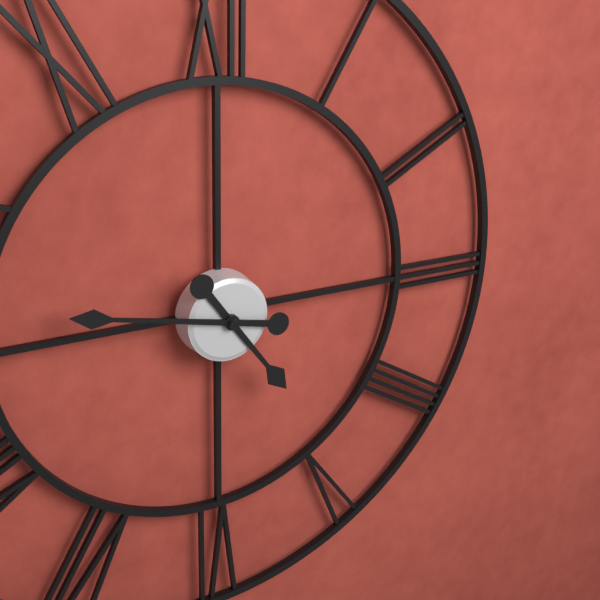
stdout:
{"hour": 4, "minute": 47}
